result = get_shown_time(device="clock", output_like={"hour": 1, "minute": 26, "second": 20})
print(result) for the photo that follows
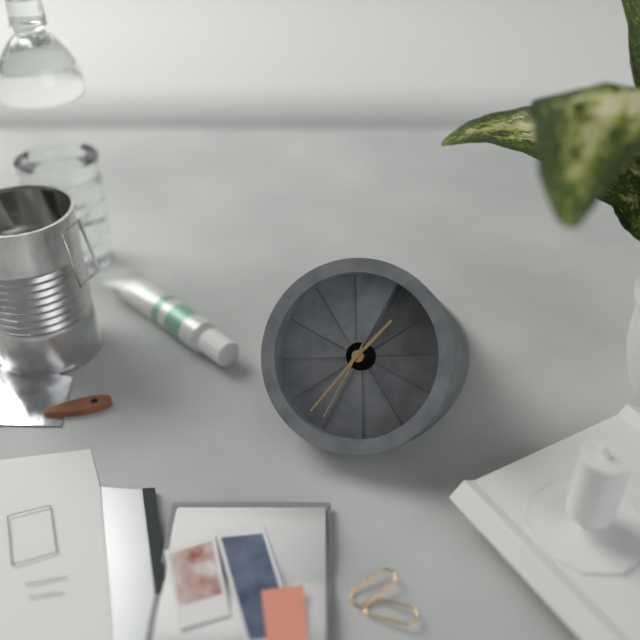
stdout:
{"hour": 12, "minute": 32, "second": 30}
